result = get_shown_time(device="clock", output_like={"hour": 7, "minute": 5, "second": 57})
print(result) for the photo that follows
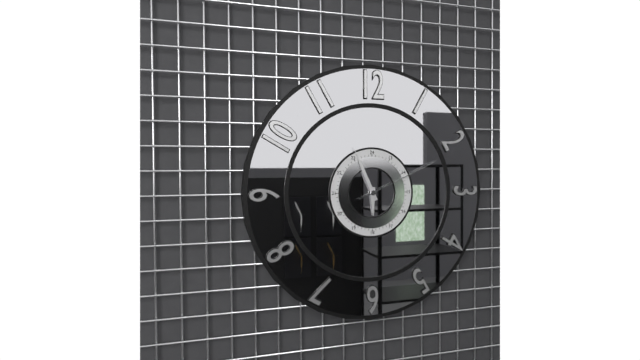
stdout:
{"hour": 5, "minute": 56, "second": 11}
